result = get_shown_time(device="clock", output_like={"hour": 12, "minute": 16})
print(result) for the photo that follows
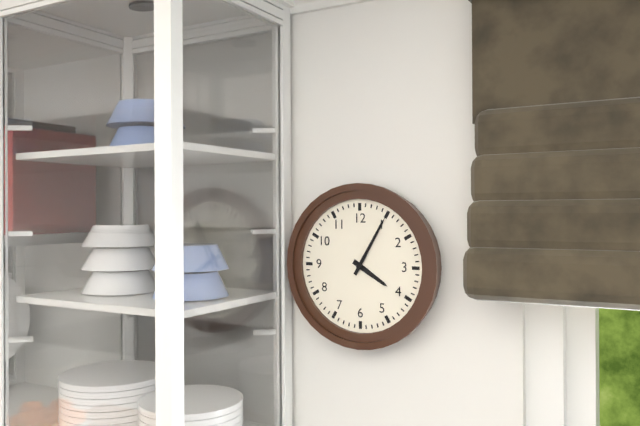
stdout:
{"hour": 4, "minute": 5}
